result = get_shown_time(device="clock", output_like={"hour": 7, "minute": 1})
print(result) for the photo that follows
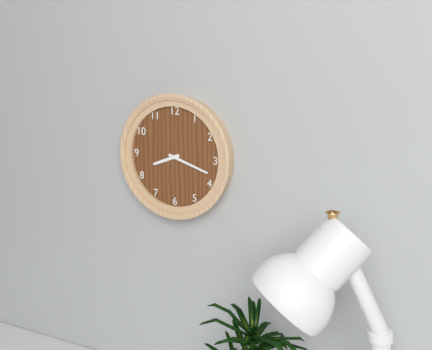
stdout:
{"hour": 8, "minute": 18}
